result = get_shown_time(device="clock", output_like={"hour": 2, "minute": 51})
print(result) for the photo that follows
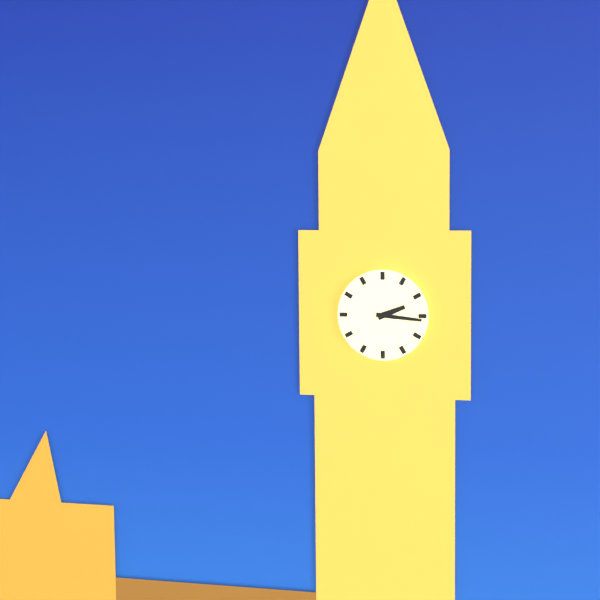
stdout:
{"hour": 2, "minute": 16}
